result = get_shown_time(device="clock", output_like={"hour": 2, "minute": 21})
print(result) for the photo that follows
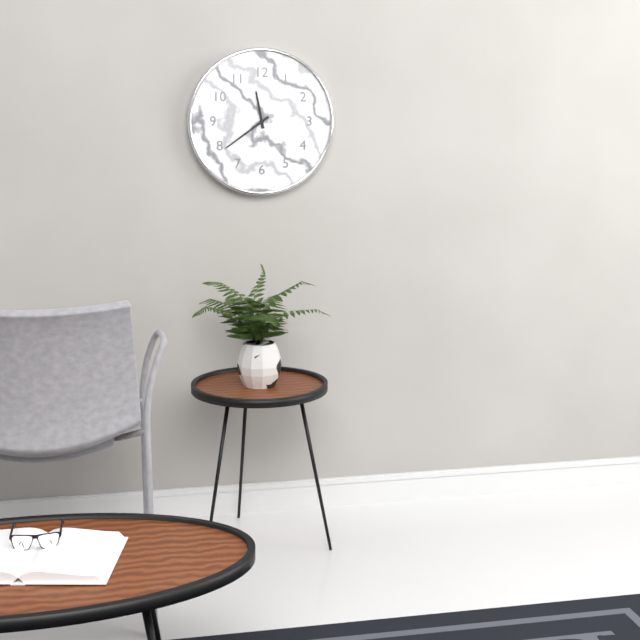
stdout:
{"hour": 11, "minute": 39}
